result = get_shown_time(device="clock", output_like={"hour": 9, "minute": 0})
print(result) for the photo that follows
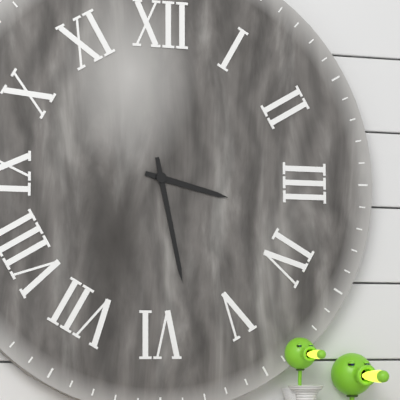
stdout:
{"hour": 3, "minute": 28}
